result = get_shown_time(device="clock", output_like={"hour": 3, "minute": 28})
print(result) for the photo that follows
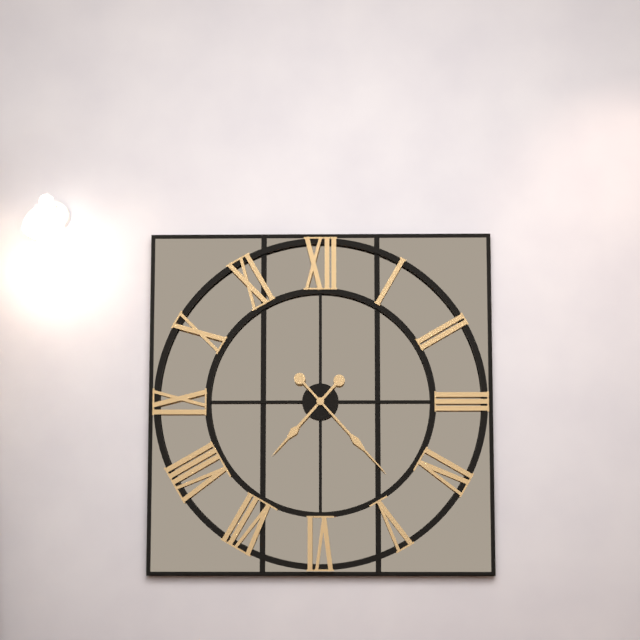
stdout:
{"hour": 7, "minute": 23}
